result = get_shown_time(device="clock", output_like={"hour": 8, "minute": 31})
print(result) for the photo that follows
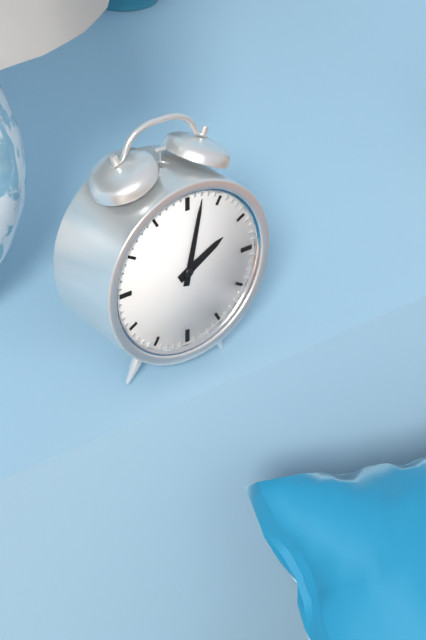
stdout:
{"hour": 2, "minute": 2}
